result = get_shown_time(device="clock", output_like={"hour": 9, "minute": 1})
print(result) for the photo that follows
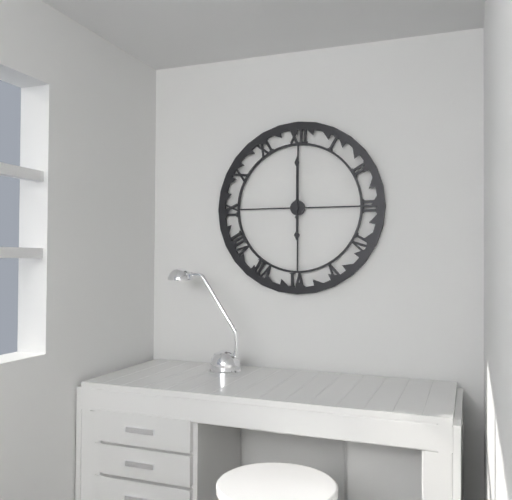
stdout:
{"hour": 6, "minute": 0}
